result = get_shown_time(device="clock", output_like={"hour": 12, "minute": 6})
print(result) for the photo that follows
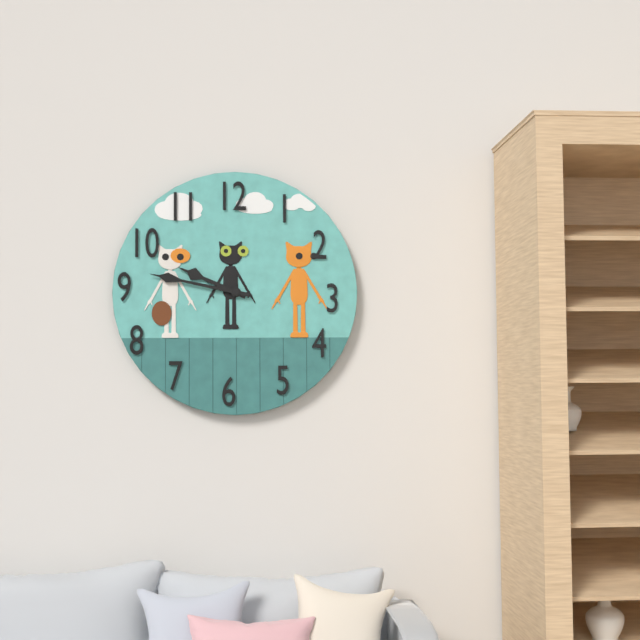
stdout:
{"hour": 9, "minute": 47}
